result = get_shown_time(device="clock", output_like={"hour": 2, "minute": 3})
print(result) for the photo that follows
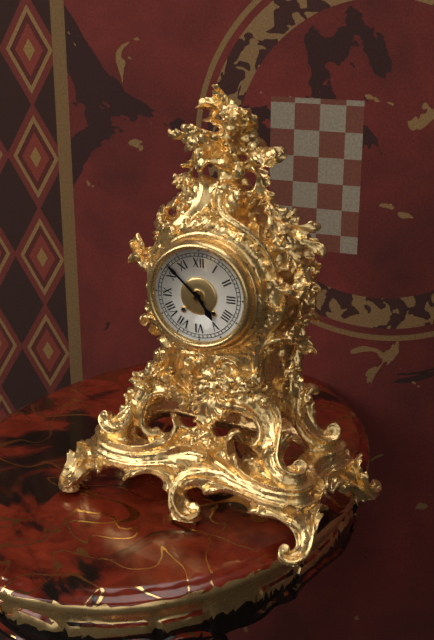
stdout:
{"hour": 4, "minute": 52}
